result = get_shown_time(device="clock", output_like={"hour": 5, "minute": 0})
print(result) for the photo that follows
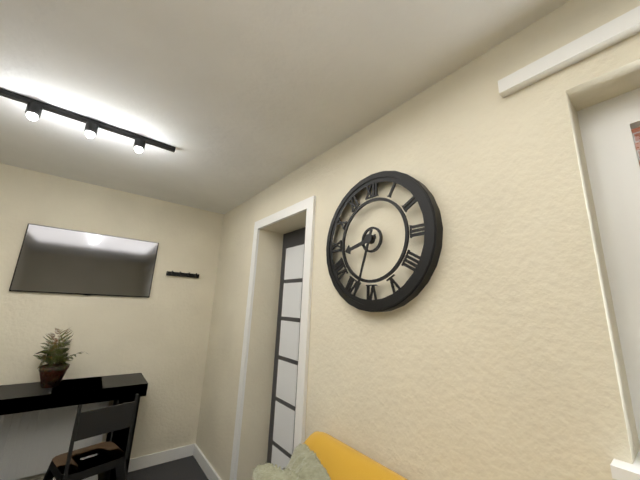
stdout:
{"hour": 8, "minute": 33}
